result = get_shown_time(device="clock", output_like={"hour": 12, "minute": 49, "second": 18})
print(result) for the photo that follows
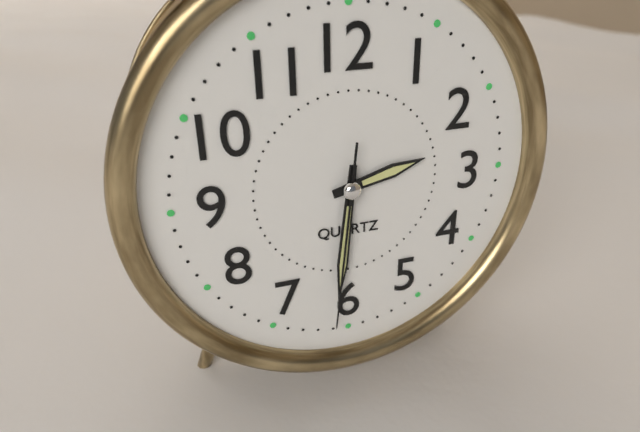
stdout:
{"hour": 2, "minute": 31, "second": 31}
